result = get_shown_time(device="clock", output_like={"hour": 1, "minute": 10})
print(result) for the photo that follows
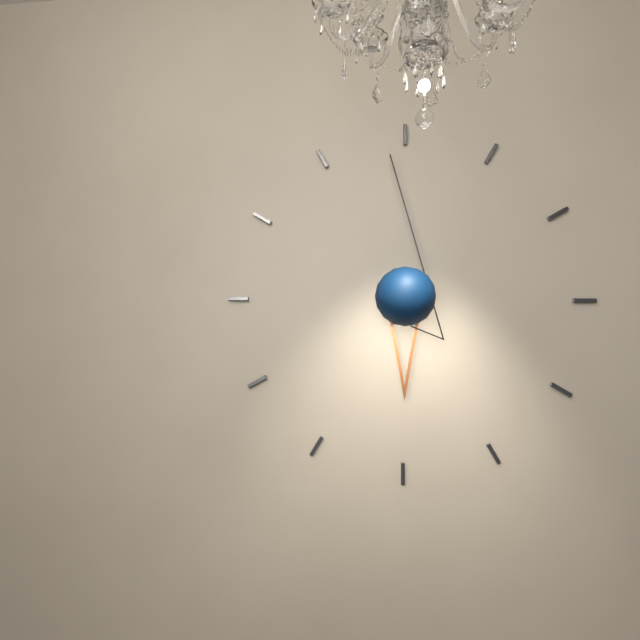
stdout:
{"hour": 5, "minute": 59}
